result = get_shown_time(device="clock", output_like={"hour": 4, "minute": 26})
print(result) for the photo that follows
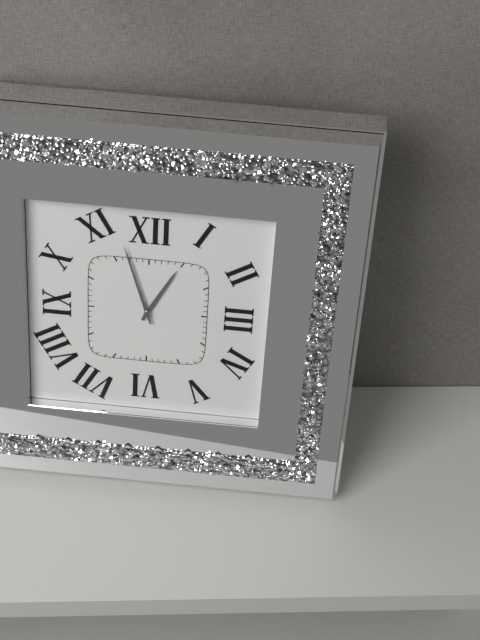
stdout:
{"hour": 12, "minute": 57}
